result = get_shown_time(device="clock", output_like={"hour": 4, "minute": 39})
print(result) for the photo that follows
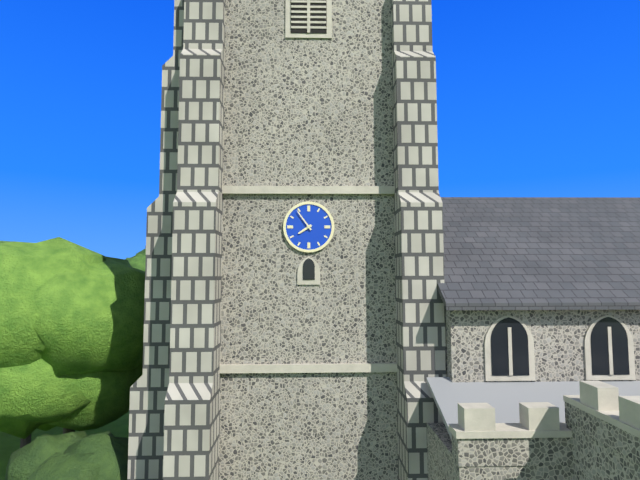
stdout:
{"hour": 7, "minute": 54}
